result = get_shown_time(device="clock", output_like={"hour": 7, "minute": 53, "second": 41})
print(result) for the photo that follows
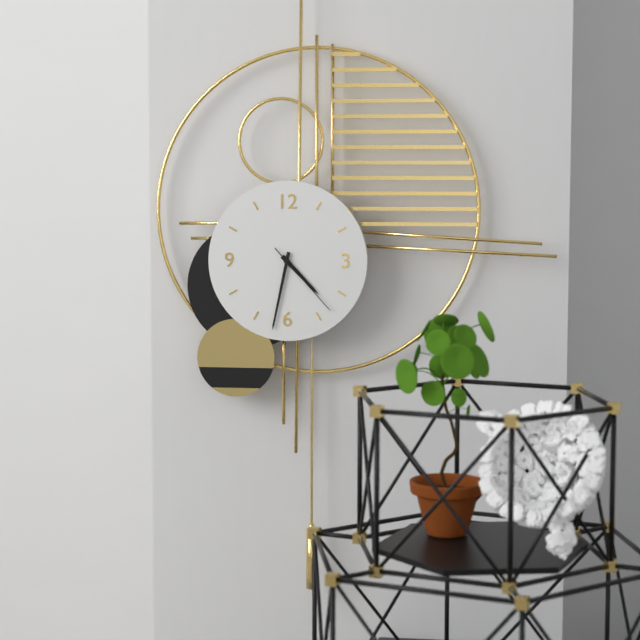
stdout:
{"hour": 4, "minute": 32, "second": 23}
